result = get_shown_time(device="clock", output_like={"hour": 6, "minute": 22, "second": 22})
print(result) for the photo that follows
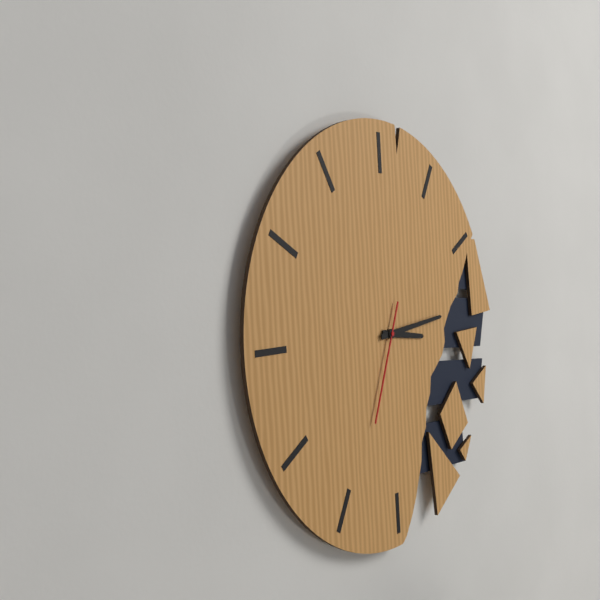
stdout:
{"hour": 3, "minute": 14, "second": 34}
